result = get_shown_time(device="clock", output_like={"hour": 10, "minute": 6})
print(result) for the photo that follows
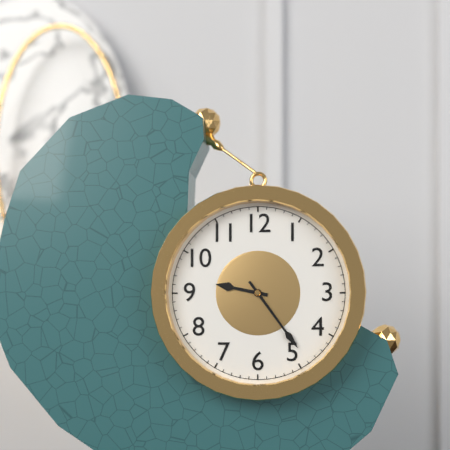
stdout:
{"hour": 9, "minute": 24}
